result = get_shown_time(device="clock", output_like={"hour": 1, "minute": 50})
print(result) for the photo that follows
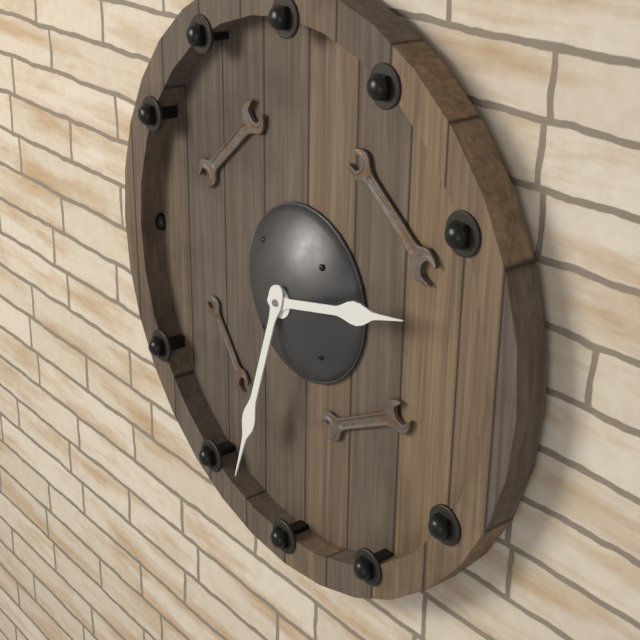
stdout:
{"hour": 2, "minute": 33}
